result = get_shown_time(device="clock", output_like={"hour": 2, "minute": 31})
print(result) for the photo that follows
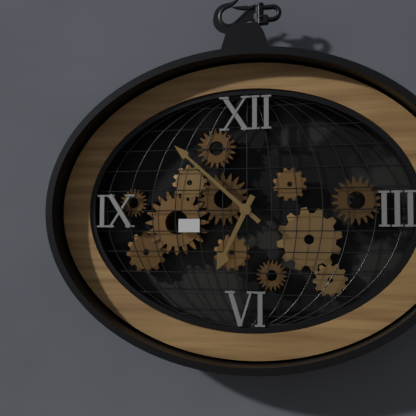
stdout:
{"hour": 6, "minute": 52}
